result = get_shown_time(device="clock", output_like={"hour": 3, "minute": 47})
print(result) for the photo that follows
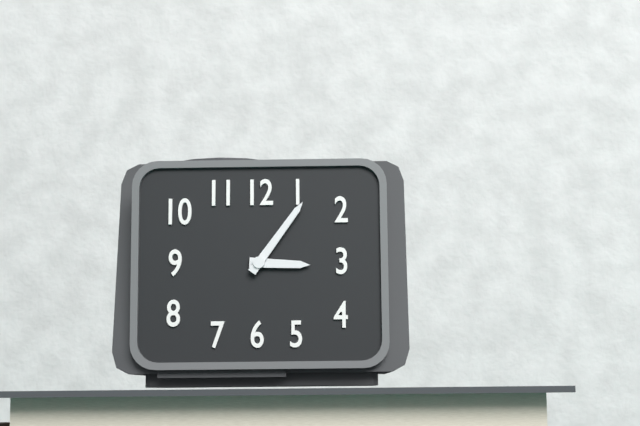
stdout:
{"hour": 3, "minute": 6}
